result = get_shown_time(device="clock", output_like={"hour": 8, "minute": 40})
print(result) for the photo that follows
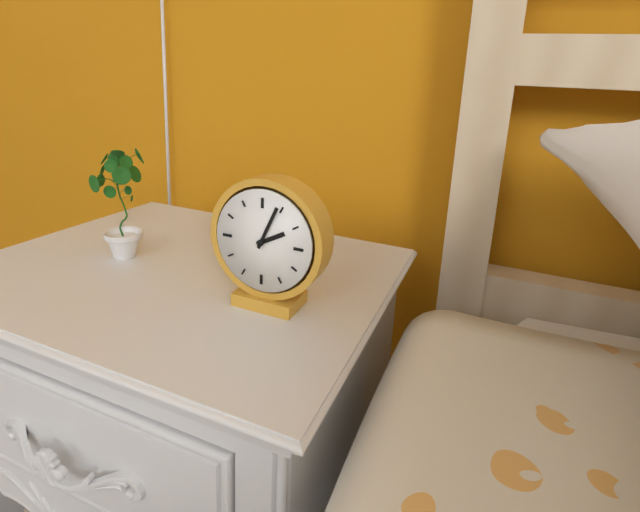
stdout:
{"hour": 2, "minute": 4}
